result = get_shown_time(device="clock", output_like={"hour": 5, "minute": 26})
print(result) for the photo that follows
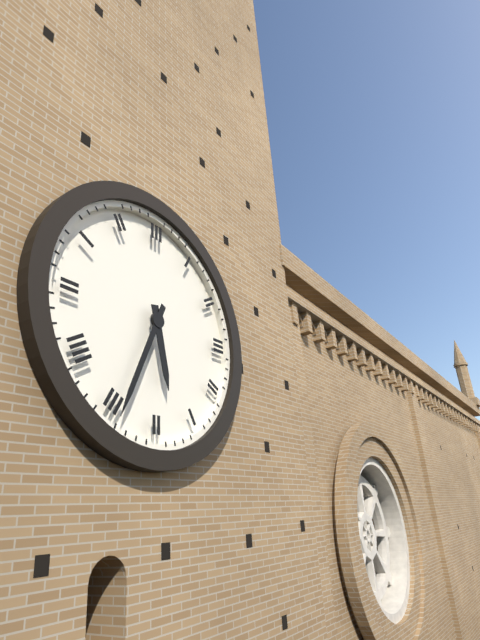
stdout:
{"hour": 5, "minute": 34}
